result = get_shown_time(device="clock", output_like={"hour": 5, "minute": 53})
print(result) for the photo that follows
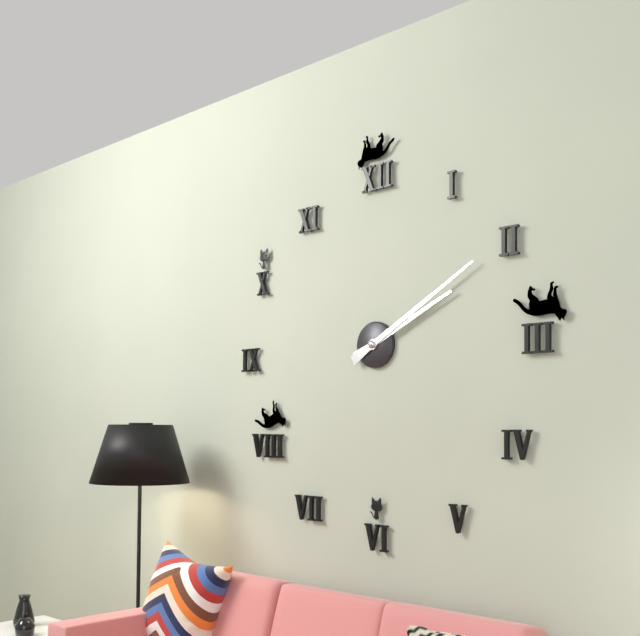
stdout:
{"hour": 2, "minute": 10}
